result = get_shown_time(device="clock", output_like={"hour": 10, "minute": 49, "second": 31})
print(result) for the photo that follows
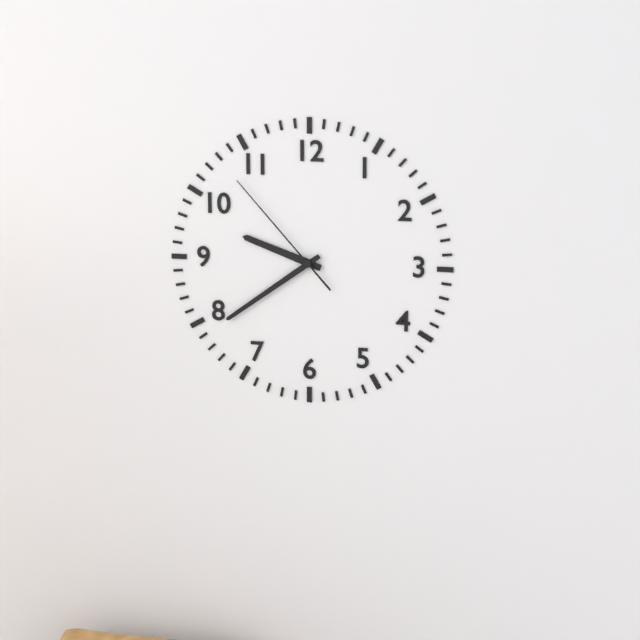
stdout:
{"hour": 9, "minute": 39, "second": 53}
